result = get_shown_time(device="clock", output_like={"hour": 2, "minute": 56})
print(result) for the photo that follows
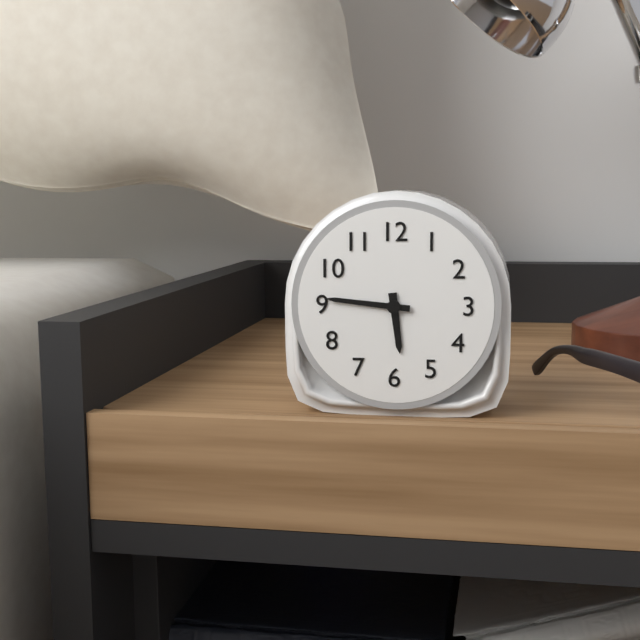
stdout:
{"hour": 5, "minute": 46}
